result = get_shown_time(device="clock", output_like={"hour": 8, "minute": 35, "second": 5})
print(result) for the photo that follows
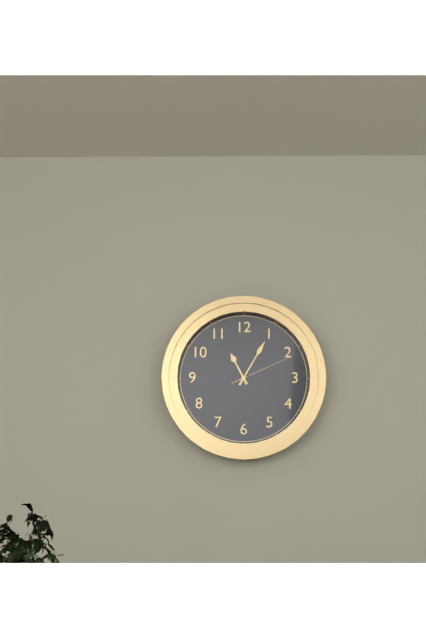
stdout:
{"hour": 11, "minute": 5, "second": 11}
